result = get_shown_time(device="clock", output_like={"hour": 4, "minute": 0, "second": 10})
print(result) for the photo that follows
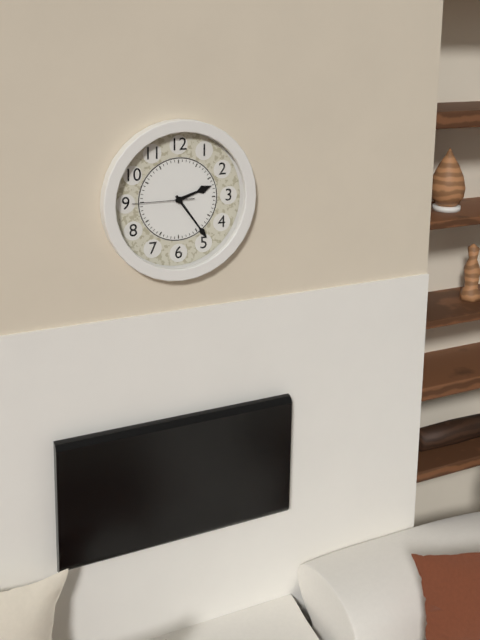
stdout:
{"hour": 2, "minute": 24, "second": 45}
